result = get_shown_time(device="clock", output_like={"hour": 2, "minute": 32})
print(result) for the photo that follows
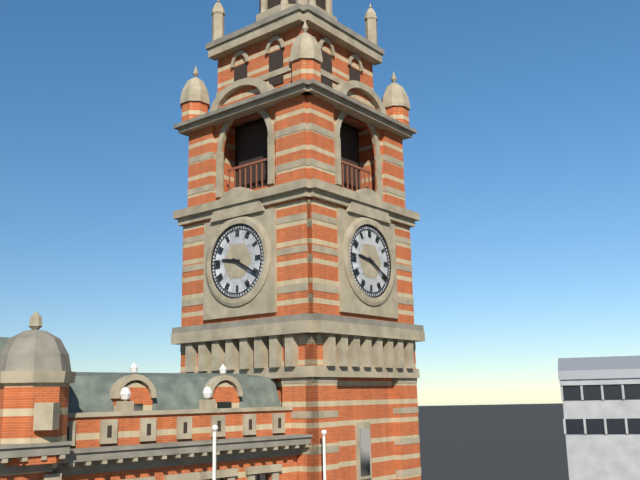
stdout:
{"hour": 9, "minute": 20}
